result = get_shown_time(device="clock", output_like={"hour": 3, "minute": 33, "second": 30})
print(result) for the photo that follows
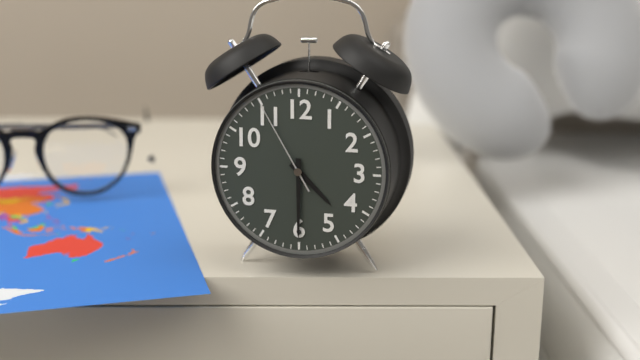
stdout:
{"hour": 4, "minute": 30, "second": 55}
